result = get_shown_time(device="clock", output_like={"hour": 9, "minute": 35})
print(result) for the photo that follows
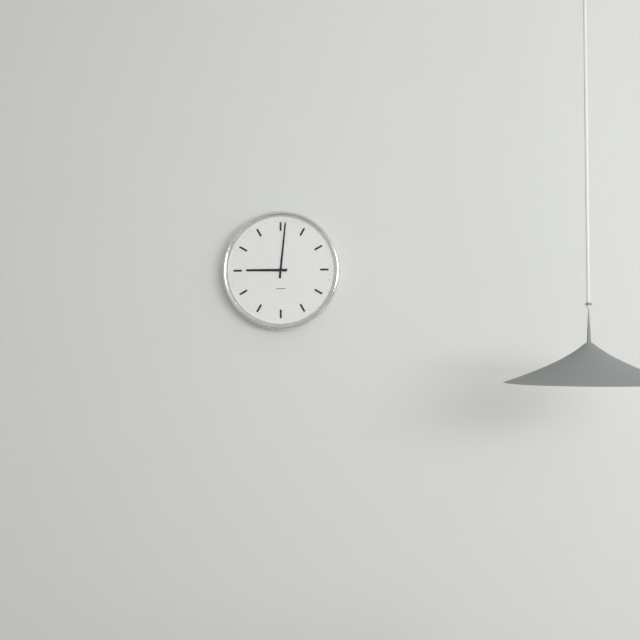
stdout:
{"hour": 9, "minute": 1}
